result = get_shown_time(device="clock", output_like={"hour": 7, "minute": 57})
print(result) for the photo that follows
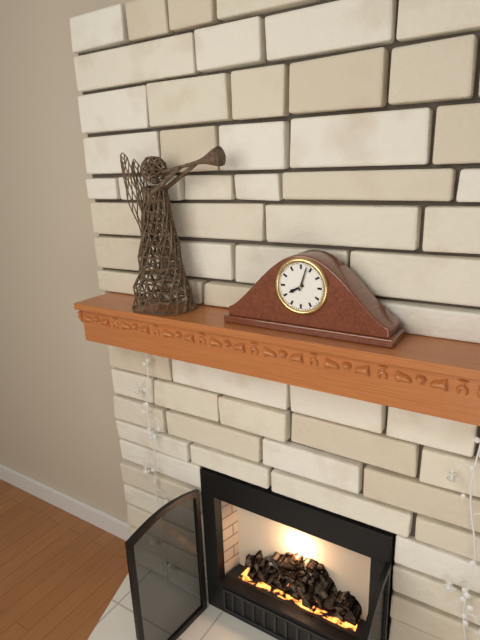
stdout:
{"hour": 8, "minute": 3}
